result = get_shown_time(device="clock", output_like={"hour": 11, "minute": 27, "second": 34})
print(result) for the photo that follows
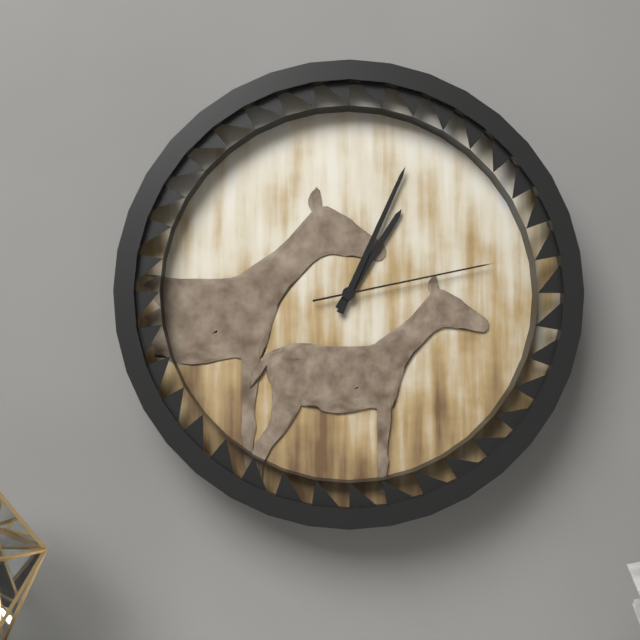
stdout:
{"hour": 1, "minute": 4, "second": 13}
